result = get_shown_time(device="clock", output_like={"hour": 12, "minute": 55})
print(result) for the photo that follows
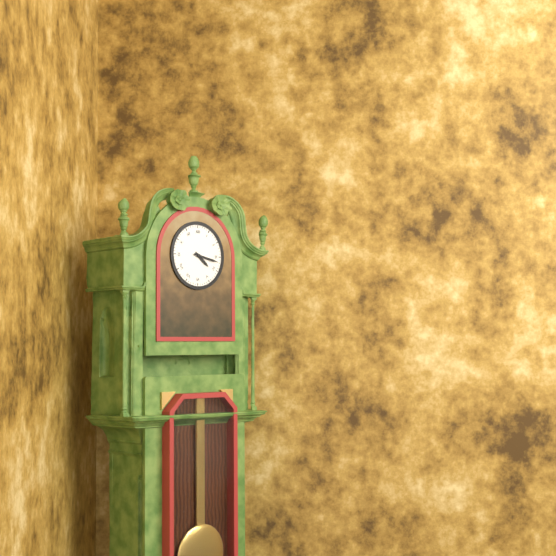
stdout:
{"hour": 4, "minute": 17}
